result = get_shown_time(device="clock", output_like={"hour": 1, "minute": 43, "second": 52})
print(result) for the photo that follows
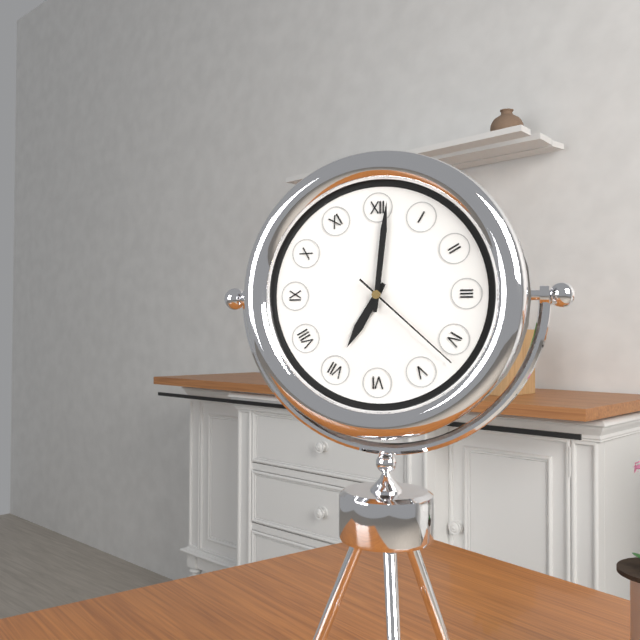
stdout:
{"hour": 7, "minute": 1, "second": 22}
